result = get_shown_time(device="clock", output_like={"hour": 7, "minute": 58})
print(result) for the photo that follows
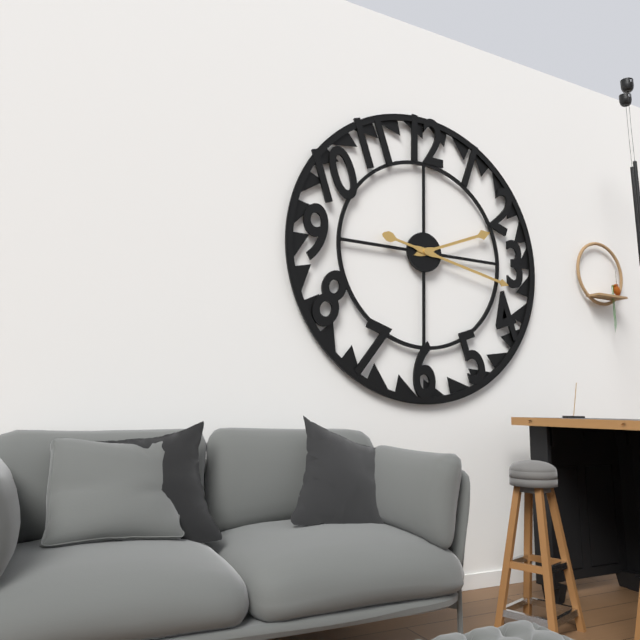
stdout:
{"hour": 2, "minute": 17}
